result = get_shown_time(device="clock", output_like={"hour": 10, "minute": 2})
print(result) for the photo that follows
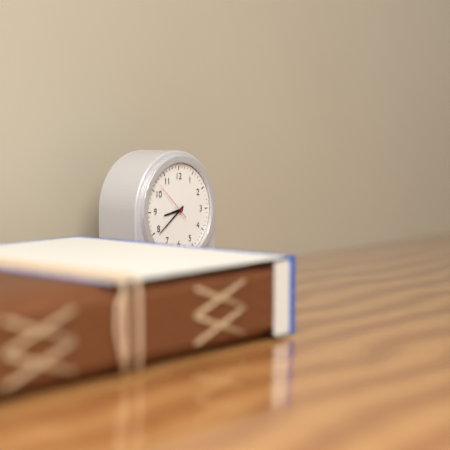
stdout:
{"hour": 8, "minute": 39}
